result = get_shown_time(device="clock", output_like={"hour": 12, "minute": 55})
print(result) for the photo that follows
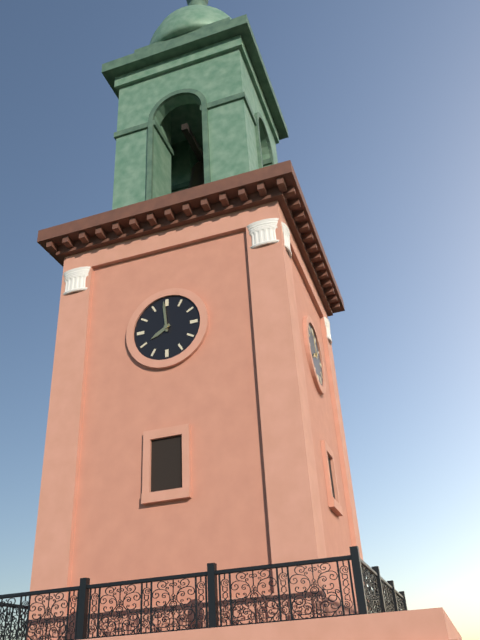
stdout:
{"hour": 7, "minute": 59}
